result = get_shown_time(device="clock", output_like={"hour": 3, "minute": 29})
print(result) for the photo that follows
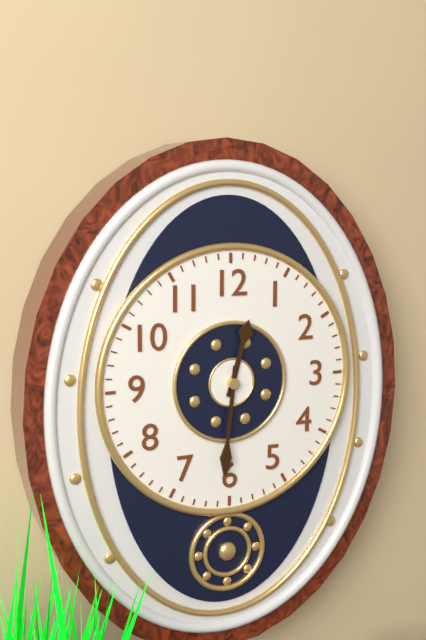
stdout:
{"hour": 12, "minute": 31}
